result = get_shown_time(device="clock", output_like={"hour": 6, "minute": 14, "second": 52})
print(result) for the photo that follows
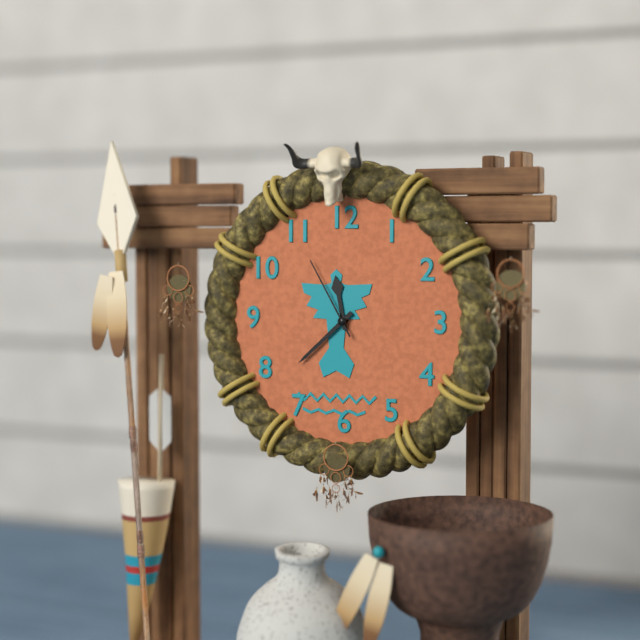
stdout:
{"hour": 11, "minute": 38, "second": 55}
